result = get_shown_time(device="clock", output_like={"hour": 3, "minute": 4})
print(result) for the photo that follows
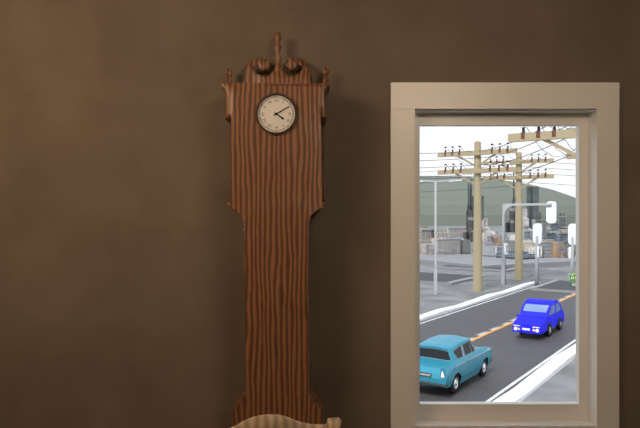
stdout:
{"hour": 4, "minute": 10}
